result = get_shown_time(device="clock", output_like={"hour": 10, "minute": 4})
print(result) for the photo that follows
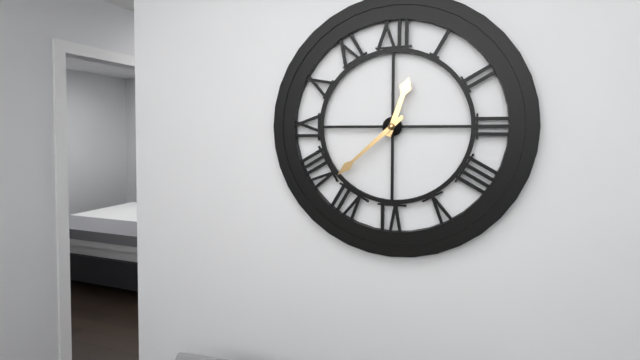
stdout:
{"hour": 12, "minute": 38}
